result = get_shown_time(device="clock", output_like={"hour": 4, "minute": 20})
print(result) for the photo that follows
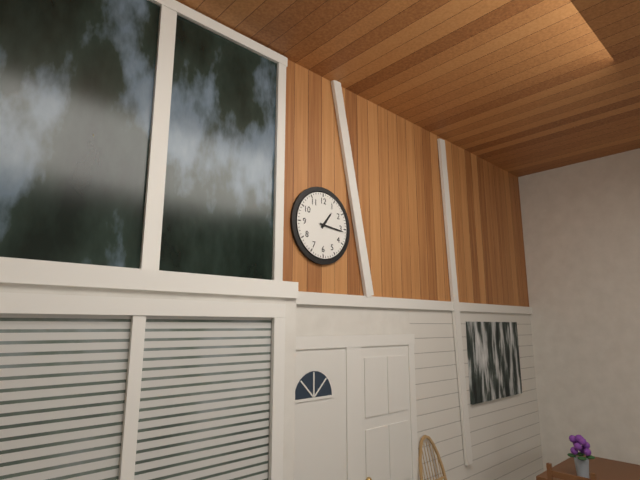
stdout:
{"hour": 1, "minute": 16}
